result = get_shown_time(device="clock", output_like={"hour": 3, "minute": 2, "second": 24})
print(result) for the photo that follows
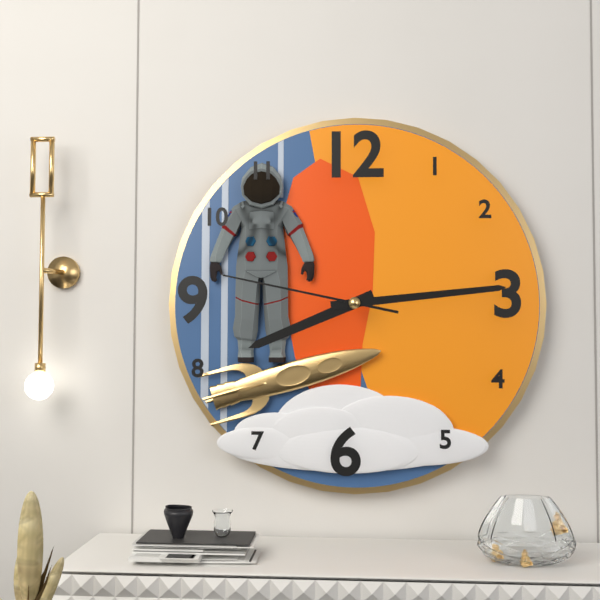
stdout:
{"hour": 8, "minute": 14, "second": 47}
